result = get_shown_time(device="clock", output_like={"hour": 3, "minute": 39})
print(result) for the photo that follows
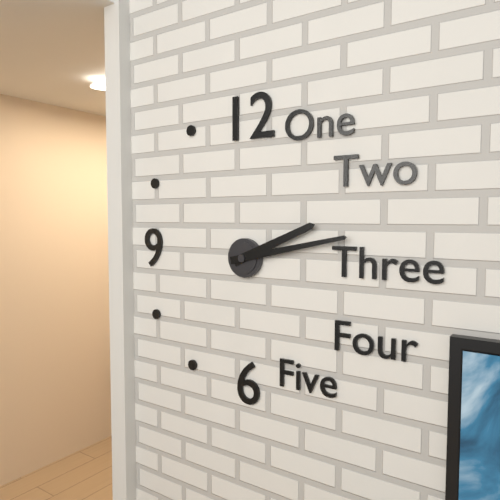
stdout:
{"hour": 2, "minute": 13}
